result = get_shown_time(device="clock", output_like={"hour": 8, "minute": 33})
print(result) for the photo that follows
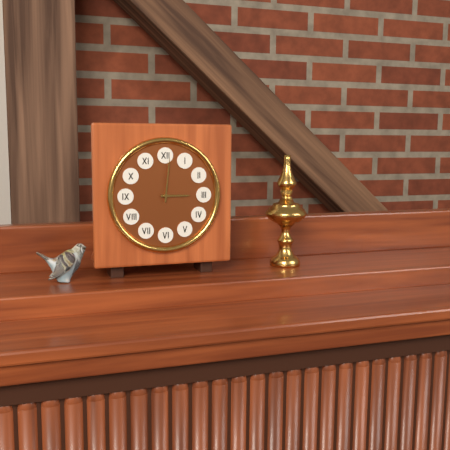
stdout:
{"hour": 3, "minute": 1}
